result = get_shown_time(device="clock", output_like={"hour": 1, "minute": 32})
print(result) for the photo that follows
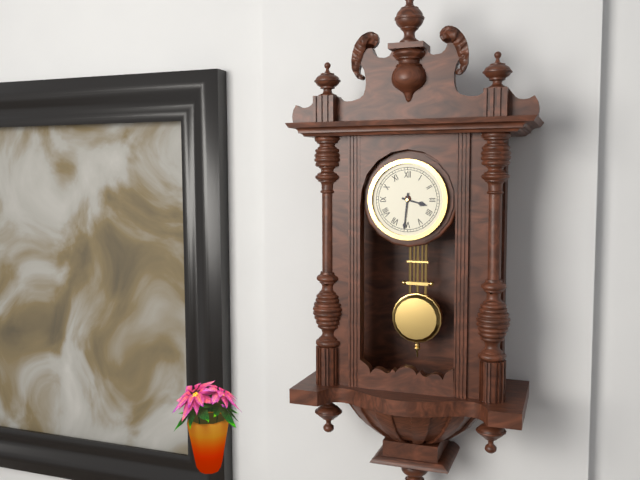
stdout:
{"hour": 3, "minute": 31}
